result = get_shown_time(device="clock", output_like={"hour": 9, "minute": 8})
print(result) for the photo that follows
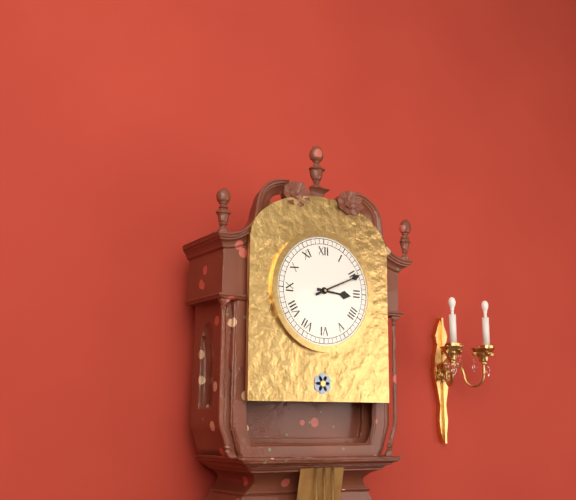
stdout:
{"hour": 3, "minute": 11}
